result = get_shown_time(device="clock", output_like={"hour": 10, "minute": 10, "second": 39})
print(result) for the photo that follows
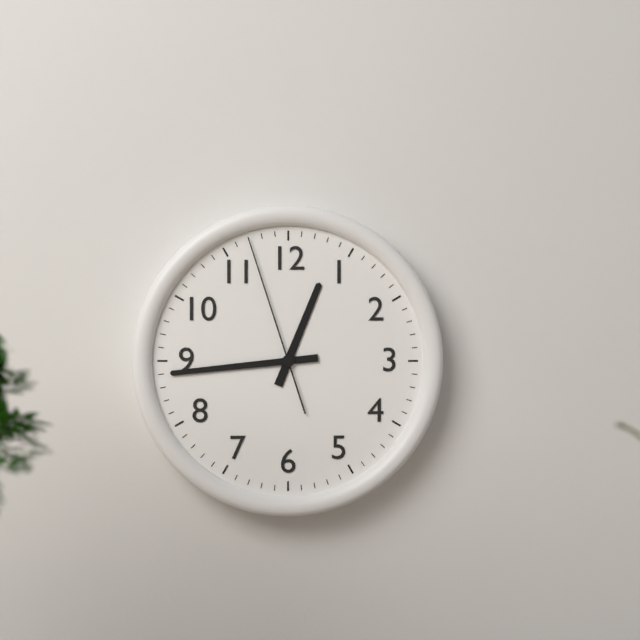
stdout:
{"hour": 12, "minute": 44, "second": 57}
